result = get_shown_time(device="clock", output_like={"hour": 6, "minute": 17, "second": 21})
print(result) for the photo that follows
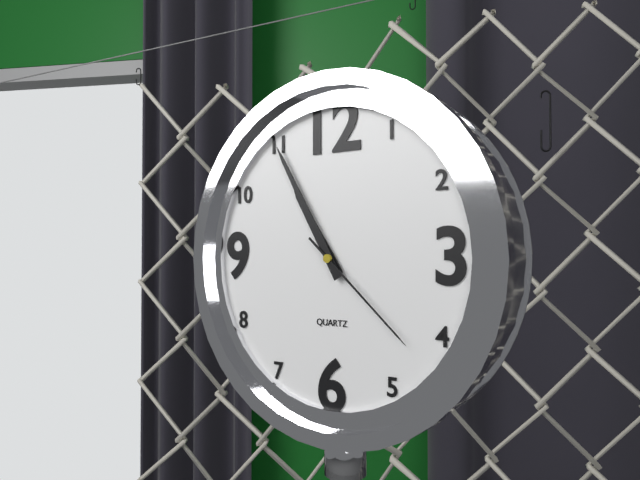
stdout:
{"hour": 10, "minute": 55, "second": 22}
